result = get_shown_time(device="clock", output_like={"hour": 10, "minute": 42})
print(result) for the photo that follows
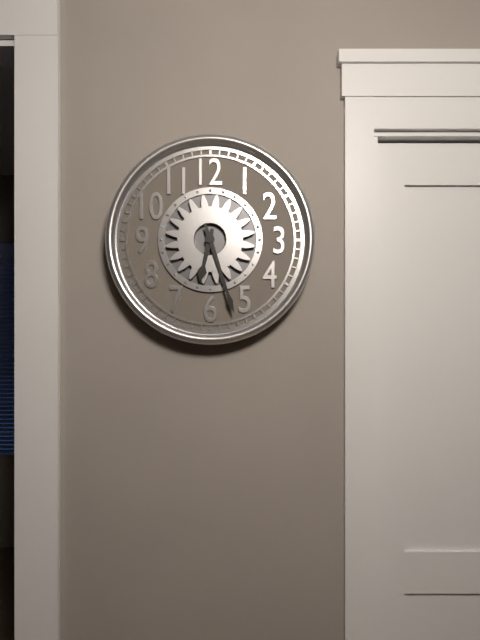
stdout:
{"hour": 6, "minute": 27}
